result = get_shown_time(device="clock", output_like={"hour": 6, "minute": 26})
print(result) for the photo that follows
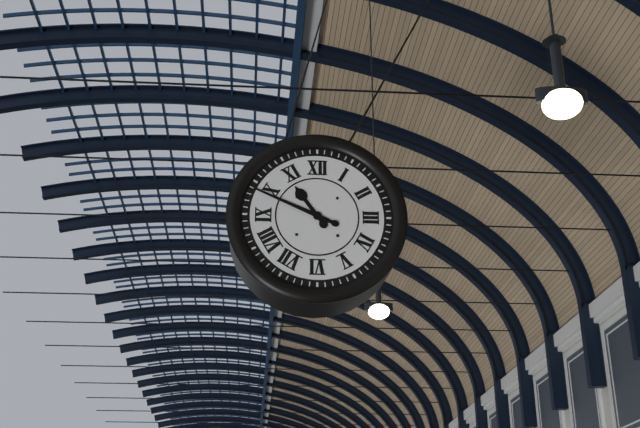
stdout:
{"hour": 10, "minute": 49}
